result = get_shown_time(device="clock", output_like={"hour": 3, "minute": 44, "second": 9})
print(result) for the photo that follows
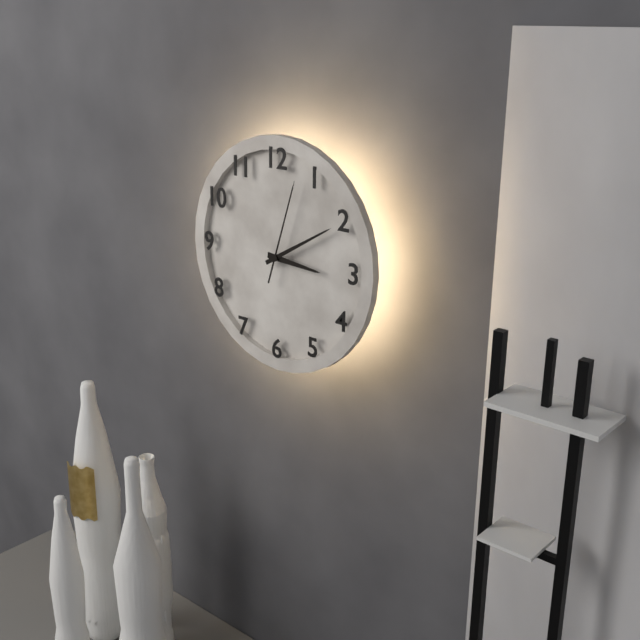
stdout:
{"hour": 3, "minute": 10, "second": 3}
